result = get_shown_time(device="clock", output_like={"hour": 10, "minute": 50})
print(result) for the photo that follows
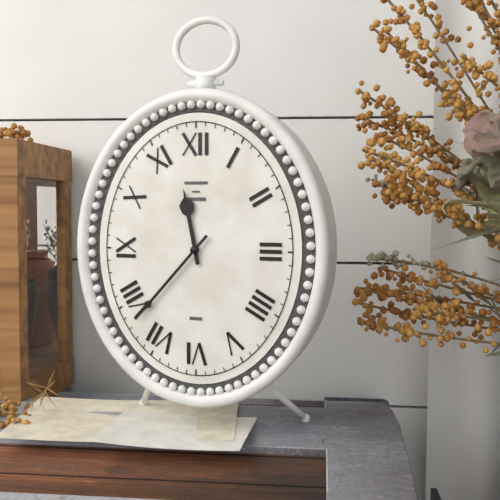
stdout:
{"hour": 11, "minute": 37}
